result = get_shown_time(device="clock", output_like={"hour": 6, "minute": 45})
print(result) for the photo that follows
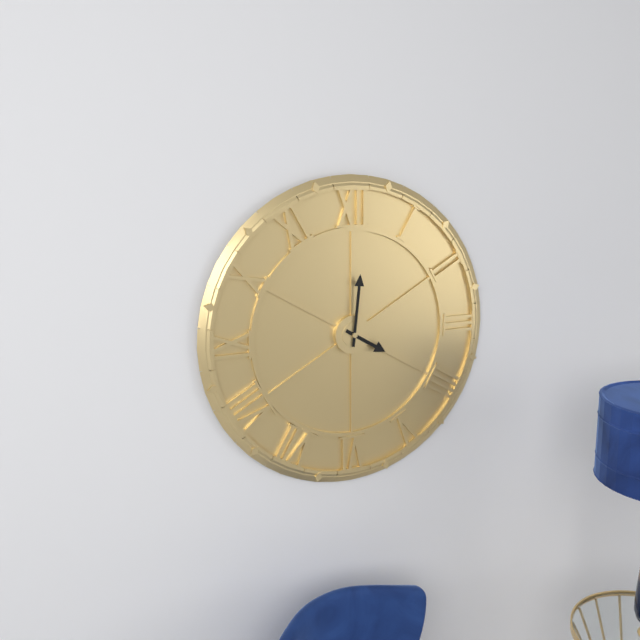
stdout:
{"hour": 4, "minute": 1}
